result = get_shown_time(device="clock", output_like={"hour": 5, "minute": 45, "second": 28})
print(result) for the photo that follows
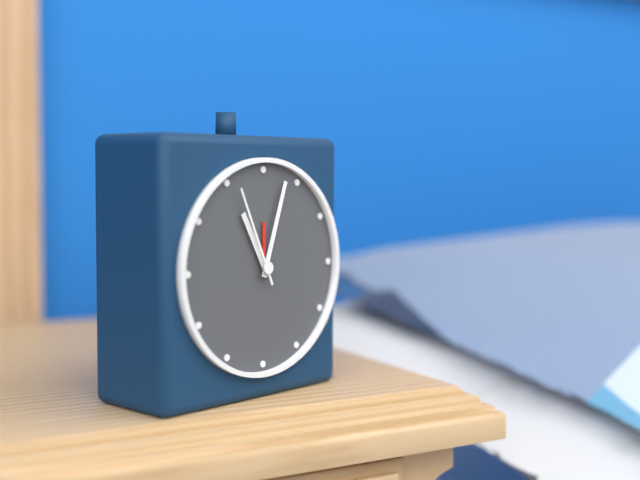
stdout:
{"hour": 11, "minute": 3, "second": 56}
